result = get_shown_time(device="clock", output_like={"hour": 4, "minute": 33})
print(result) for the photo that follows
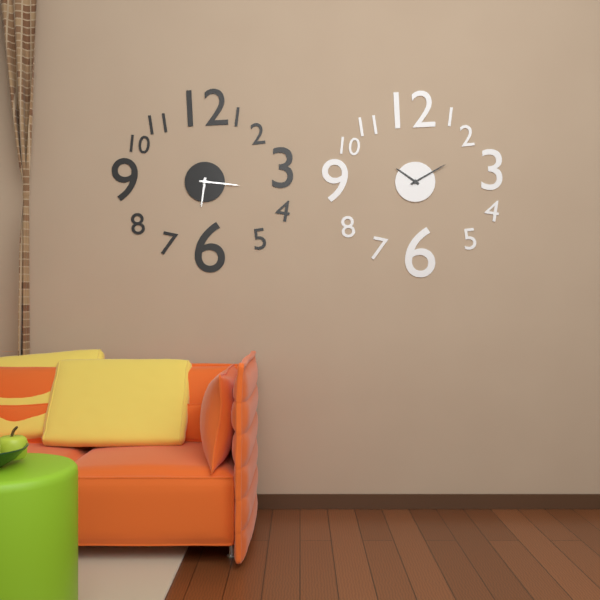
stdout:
{"hour": 6, "minute": 16}
